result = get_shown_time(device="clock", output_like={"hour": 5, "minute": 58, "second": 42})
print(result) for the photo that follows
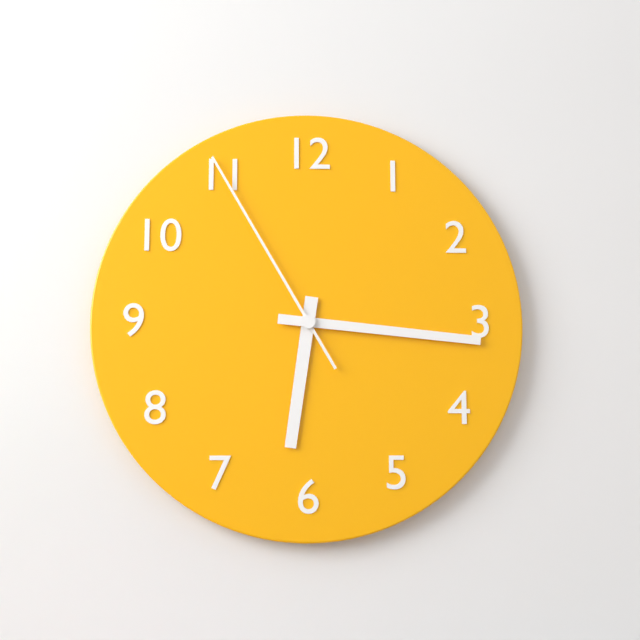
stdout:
{"hour": 6, "minute": 16, "second": 55}
